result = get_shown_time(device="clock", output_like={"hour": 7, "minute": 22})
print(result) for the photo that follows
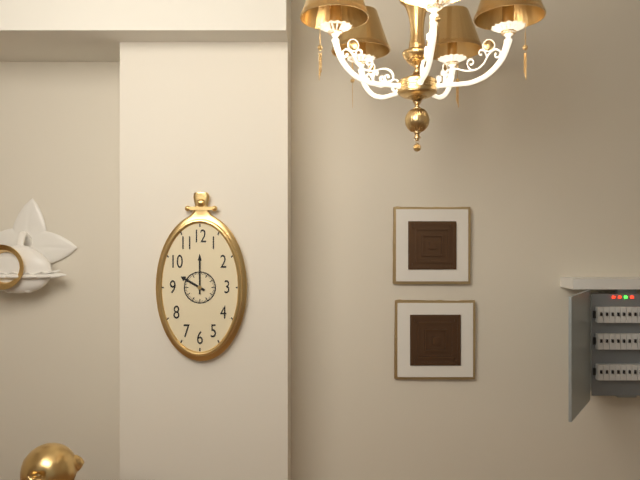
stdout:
{"hour": 10, "minute": 0}
